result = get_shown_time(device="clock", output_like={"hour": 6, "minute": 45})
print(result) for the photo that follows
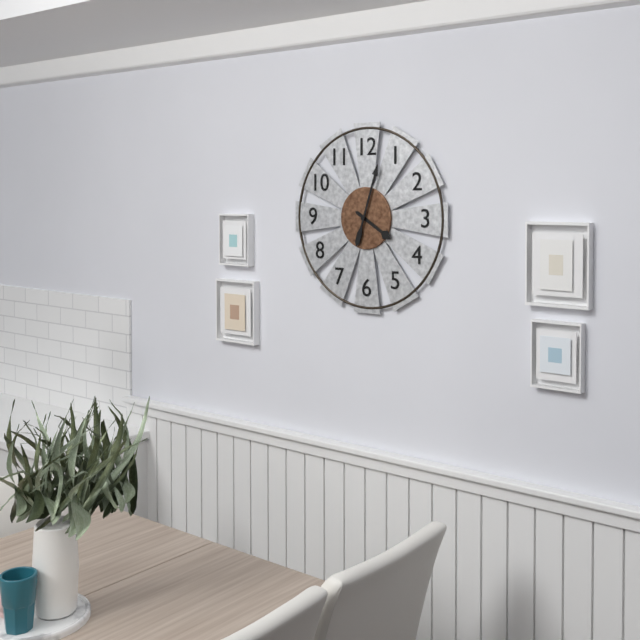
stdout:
{"hour": 4, "minute": 3}
